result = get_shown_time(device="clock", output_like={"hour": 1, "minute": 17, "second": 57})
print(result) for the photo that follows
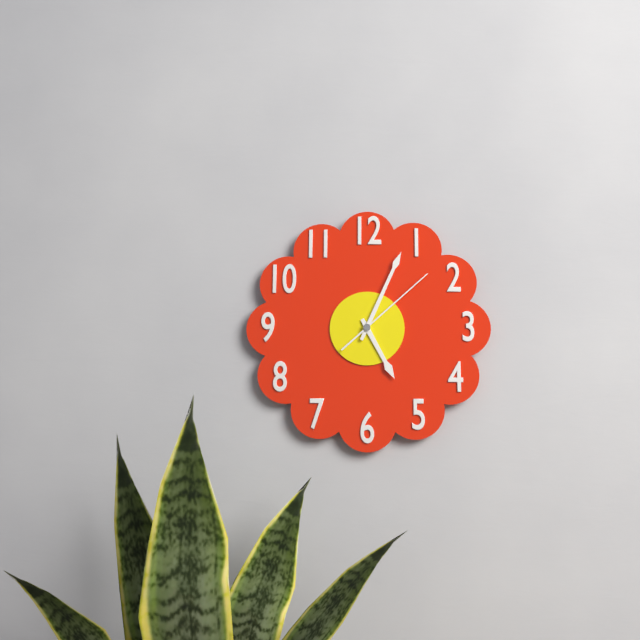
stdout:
{"hour": 5, "minute": 4, "second": 8}
